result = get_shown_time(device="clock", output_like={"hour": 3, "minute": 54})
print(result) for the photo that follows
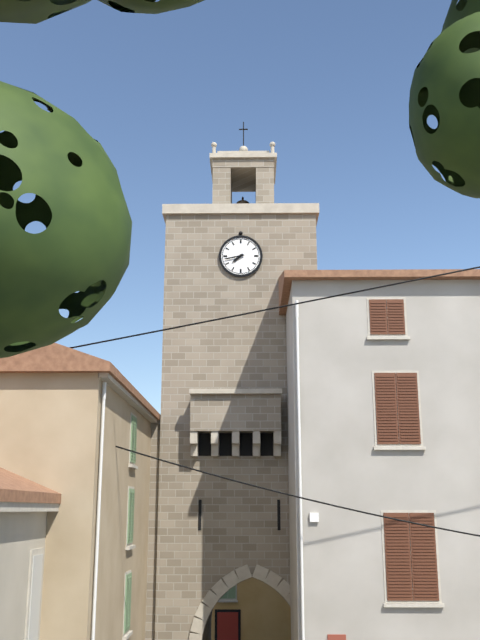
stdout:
{"hour": 7, "minute": 43}
